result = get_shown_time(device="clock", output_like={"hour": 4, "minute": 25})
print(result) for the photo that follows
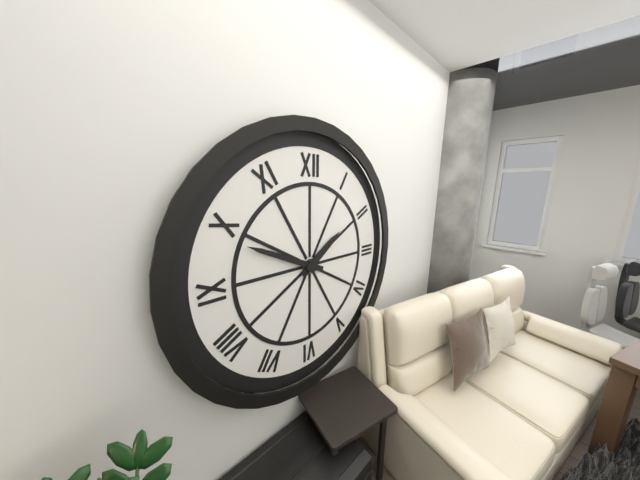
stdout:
{"hour": 1, "minute": 49}
